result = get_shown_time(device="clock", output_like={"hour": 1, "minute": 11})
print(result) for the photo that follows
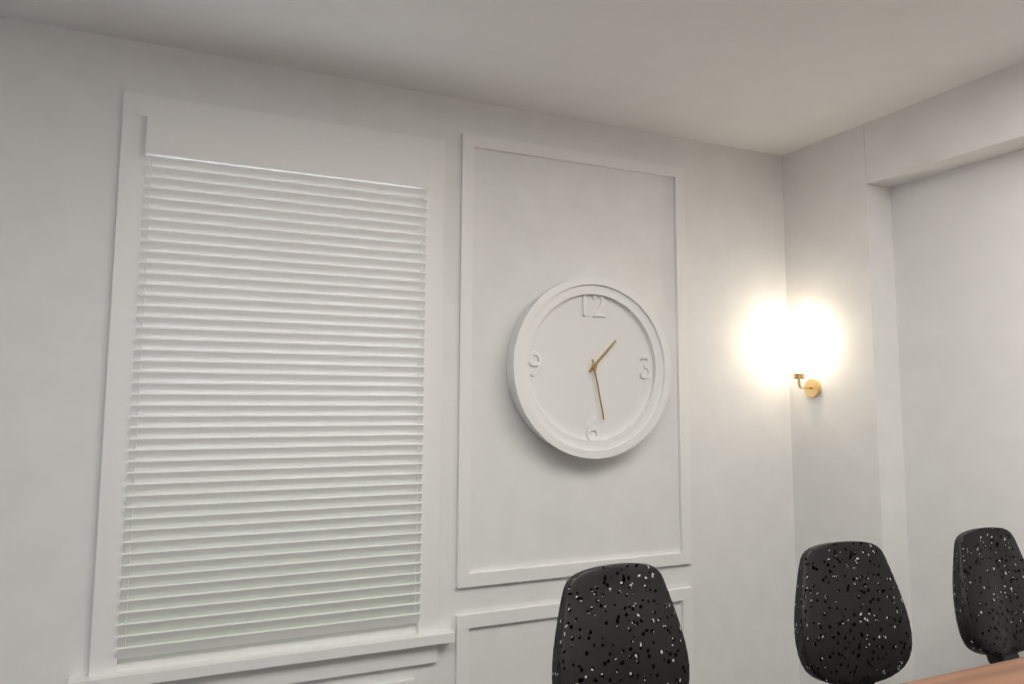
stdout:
{"hour": 1, "minute": 28}
